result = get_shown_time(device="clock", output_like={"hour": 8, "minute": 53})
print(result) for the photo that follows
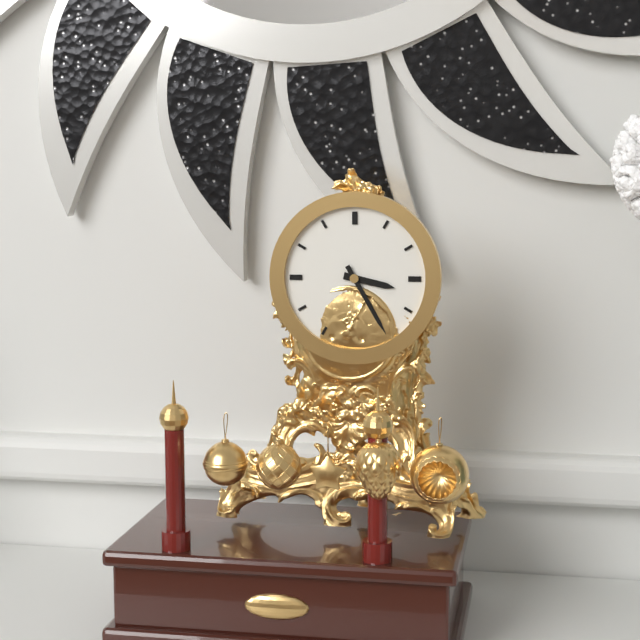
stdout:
{"hour": 3, "minute": 25}
